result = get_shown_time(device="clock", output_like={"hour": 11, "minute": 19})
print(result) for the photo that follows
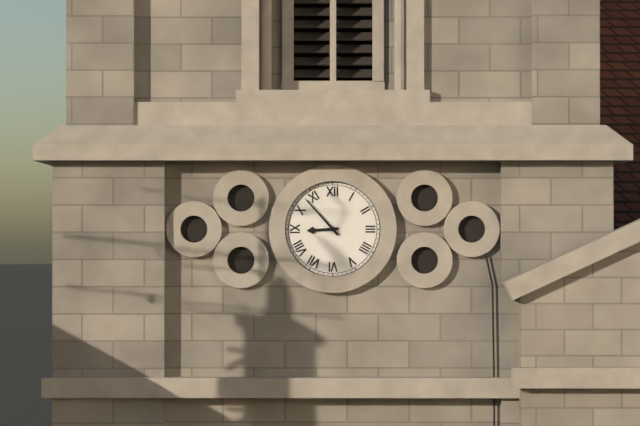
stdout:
{"hour": 8, "minute": 53}
